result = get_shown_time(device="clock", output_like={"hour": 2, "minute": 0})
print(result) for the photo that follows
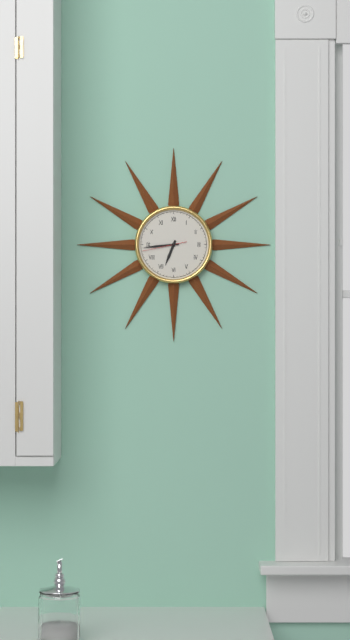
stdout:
{"hour": 6, "minute": 44}
